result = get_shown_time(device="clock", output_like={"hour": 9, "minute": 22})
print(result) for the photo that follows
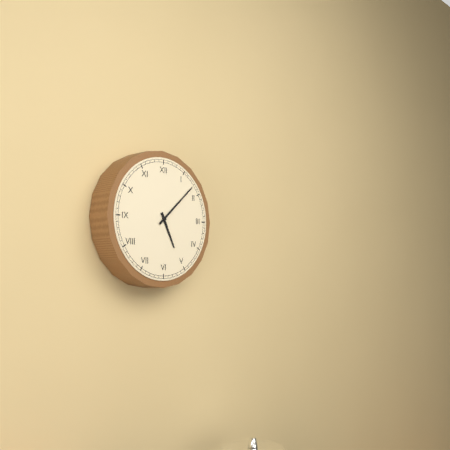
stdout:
{"hour": 5, "minute": 8}
